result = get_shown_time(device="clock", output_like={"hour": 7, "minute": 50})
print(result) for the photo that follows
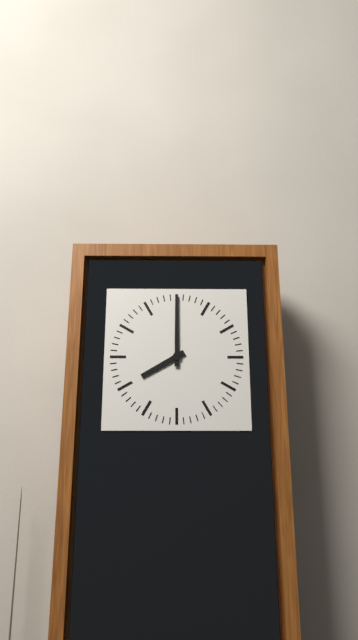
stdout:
{"hour": 8, "minute": 0}
